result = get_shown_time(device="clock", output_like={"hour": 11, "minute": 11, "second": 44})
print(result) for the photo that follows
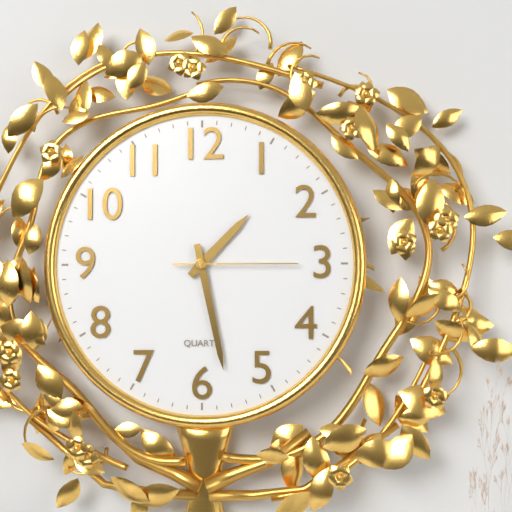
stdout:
{"hour": 1, "minute": 28, "second": 15}
